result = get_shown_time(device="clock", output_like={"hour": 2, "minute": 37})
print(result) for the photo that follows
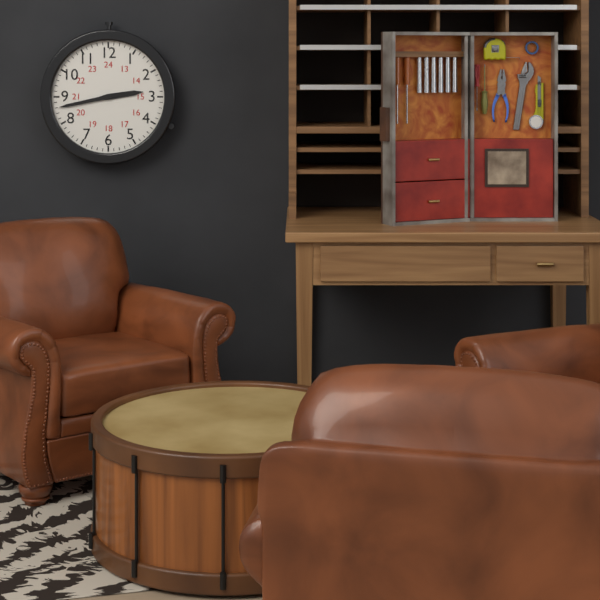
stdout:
{"hour": 2, "minute": 43}
